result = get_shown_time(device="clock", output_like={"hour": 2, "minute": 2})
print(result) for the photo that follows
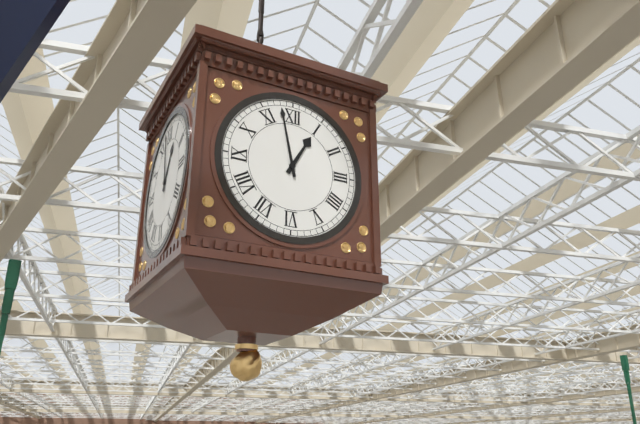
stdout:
{"hour": 12, "minute": 58}
